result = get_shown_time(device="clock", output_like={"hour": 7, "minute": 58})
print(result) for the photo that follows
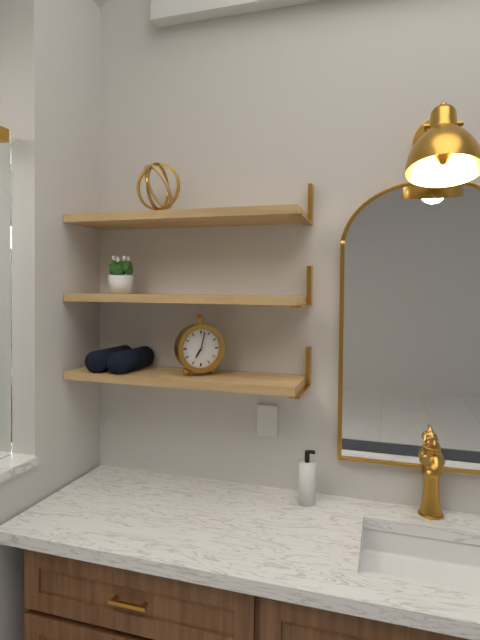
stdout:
{"hour": 7, "minute": 2}
